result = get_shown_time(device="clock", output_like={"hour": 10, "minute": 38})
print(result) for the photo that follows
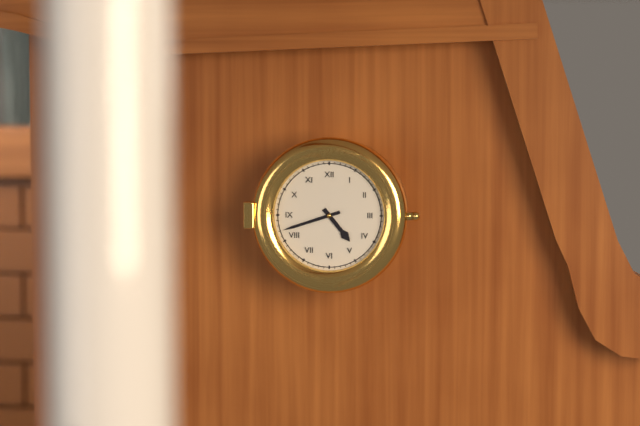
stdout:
{"hour": 4, "minute": 42}
